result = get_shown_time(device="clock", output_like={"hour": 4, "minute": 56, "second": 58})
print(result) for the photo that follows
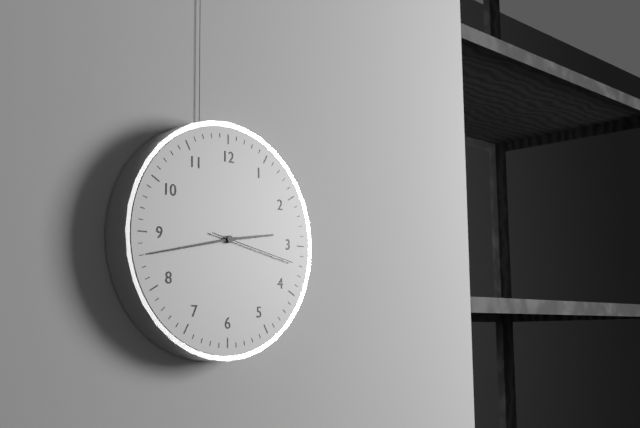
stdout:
{"hour": 2, "minute": 43, "second": 17}
